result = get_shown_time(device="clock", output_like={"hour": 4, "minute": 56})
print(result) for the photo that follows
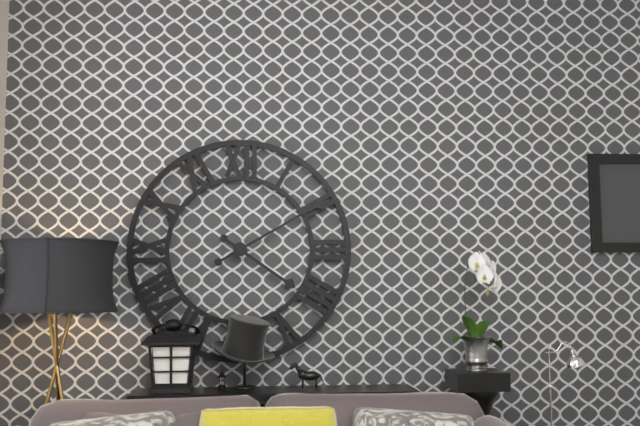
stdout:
{"hour": 4, "minute": 10}
